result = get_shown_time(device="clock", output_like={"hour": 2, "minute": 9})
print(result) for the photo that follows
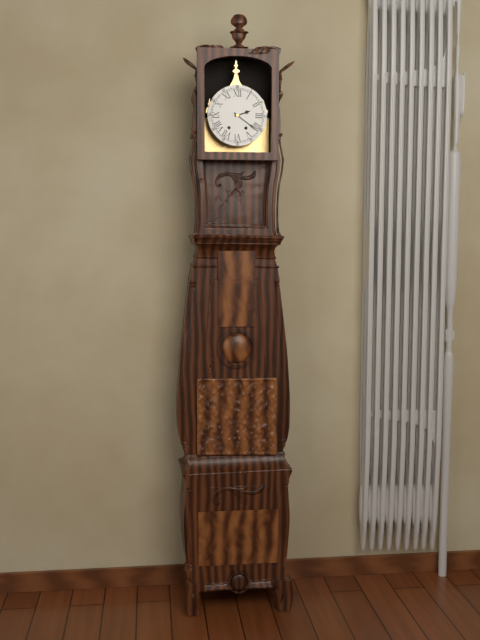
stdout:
{"hour": 2, "minute": 21}
